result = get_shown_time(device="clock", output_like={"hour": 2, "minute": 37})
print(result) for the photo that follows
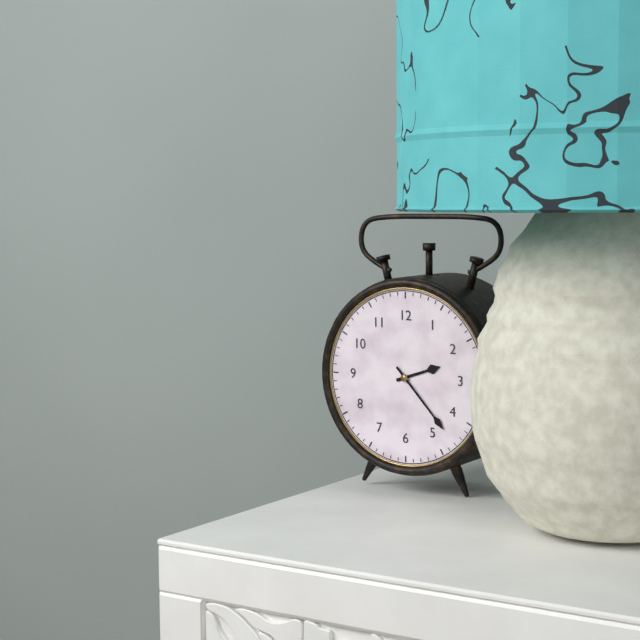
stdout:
{"hour": 2, "minute": 23}
